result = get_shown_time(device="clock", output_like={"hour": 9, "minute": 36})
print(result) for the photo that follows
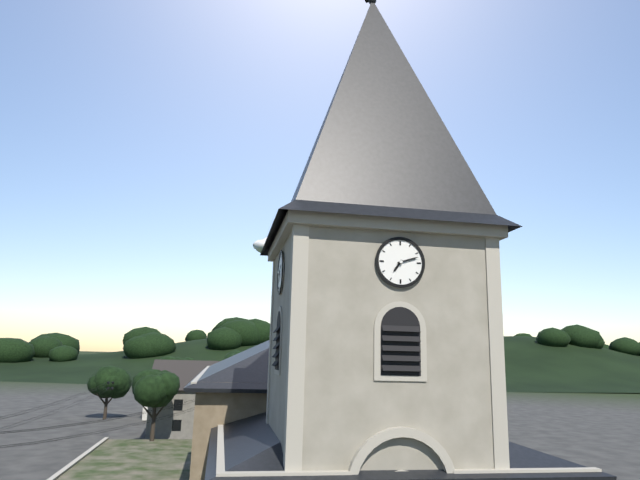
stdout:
{"hour": 7, "minute": 12}
